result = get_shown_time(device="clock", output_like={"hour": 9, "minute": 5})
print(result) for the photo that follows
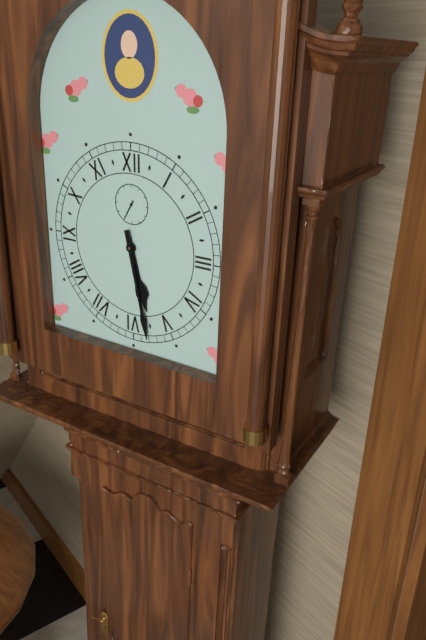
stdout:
{"hour": 5, "minute": 28}
